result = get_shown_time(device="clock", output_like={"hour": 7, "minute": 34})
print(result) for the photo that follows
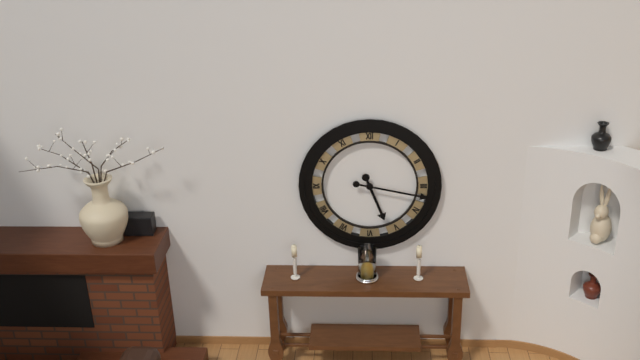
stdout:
{"hour": 5, "minute": 17}
